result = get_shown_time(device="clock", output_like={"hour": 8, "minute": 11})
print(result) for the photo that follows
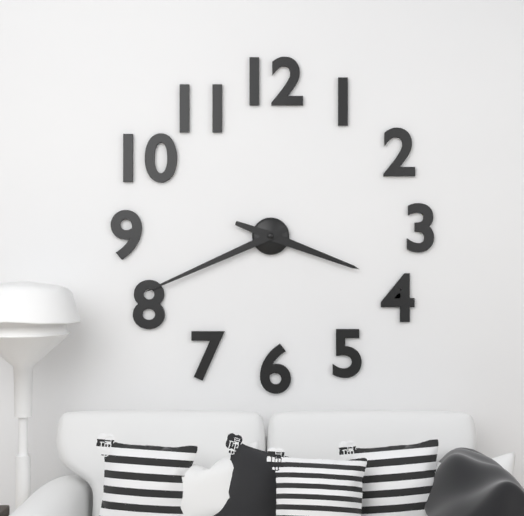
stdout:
{"hour": 3, "minute": 41}
